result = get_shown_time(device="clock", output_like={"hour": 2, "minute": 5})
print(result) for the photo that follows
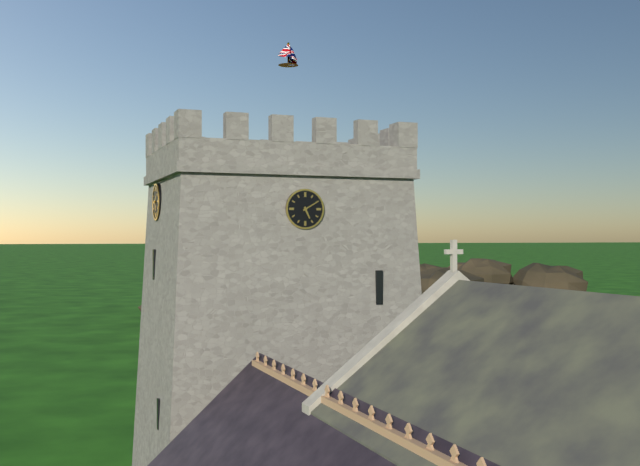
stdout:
{"hour": 5, "minute": 10}
